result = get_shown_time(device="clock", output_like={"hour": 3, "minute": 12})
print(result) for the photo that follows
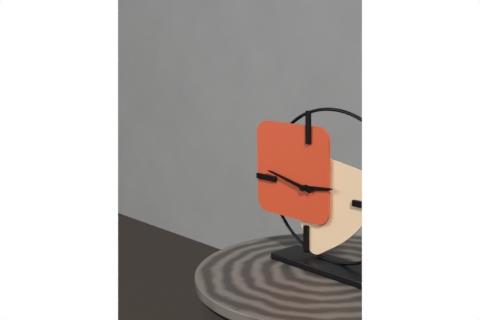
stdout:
{"hour": 2, "minute": 47}
